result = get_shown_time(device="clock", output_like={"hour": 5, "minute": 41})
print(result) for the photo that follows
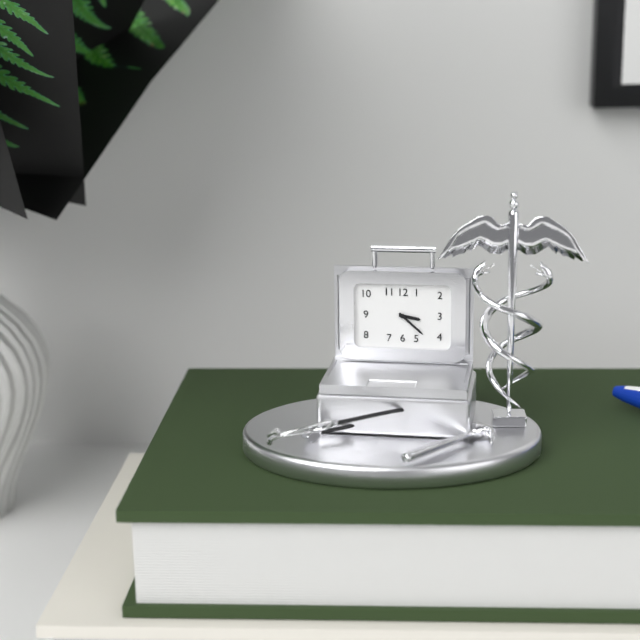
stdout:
{"hour": 3, "minute": 22}
